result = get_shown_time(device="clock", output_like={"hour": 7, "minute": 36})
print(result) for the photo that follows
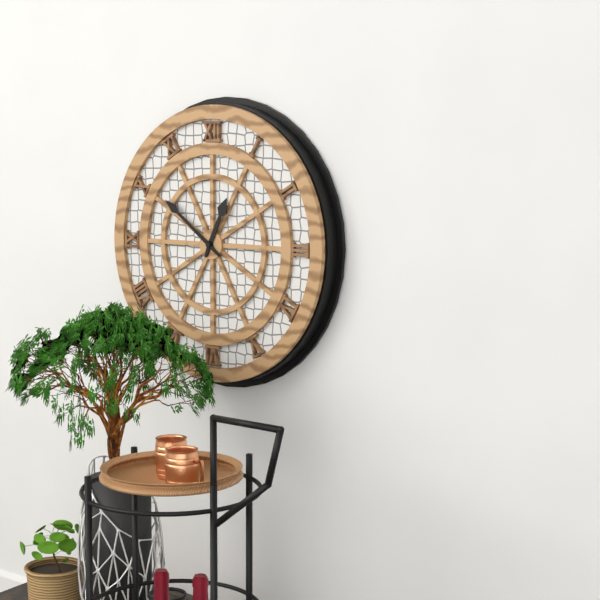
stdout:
{"hour": 12, "minute": 51}
